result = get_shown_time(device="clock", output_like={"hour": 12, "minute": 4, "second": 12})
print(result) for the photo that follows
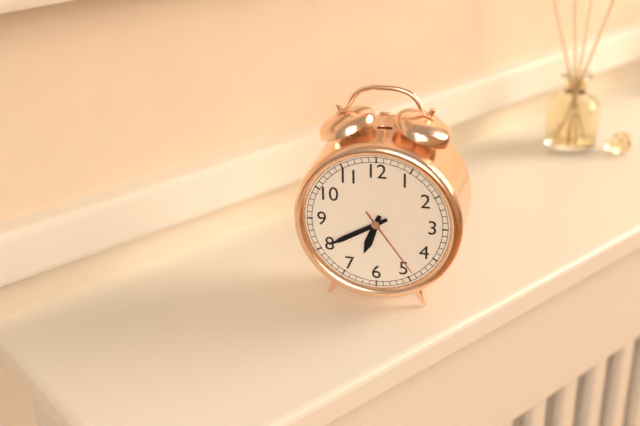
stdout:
{"hour": 6, "minute": 40, "second": 24}
